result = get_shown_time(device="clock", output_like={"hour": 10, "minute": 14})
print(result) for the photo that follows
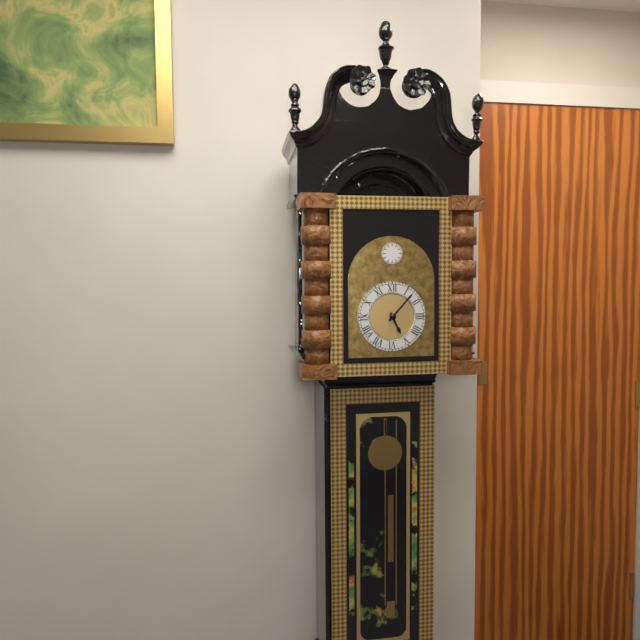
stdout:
{"hour": 5, "minute": 7}
